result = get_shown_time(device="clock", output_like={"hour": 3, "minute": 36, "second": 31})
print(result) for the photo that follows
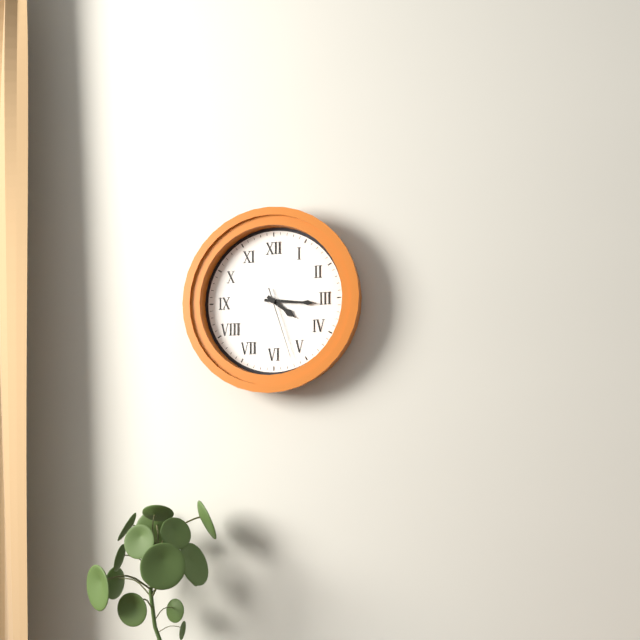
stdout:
{"hour": 4, "minute": 16, "second": 27}
